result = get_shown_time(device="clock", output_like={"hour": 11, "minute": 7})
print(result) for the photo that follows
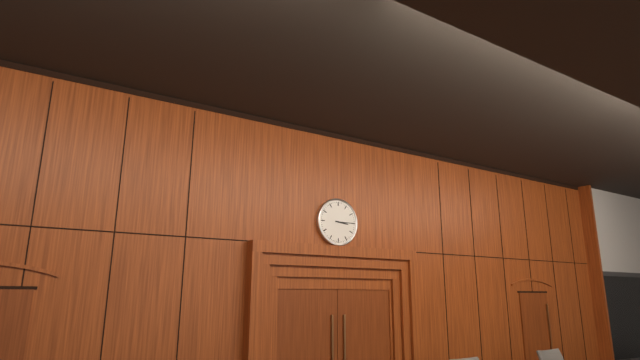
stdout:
{"hour": 3, "minute": 15}
